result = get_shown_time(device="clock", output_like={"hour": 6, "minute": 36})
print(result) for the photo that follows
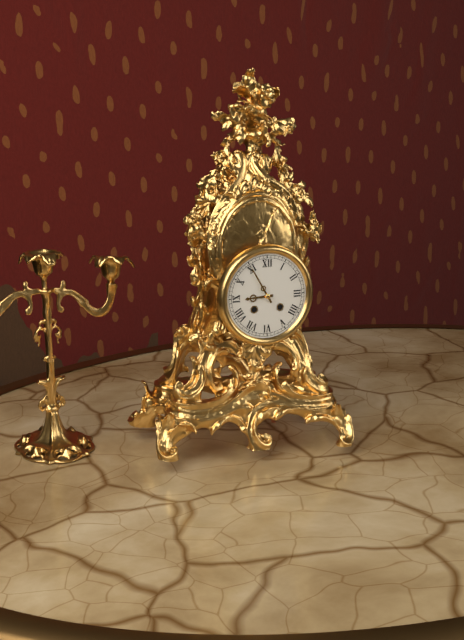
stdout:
{"hour": 8, "minute": 55}
